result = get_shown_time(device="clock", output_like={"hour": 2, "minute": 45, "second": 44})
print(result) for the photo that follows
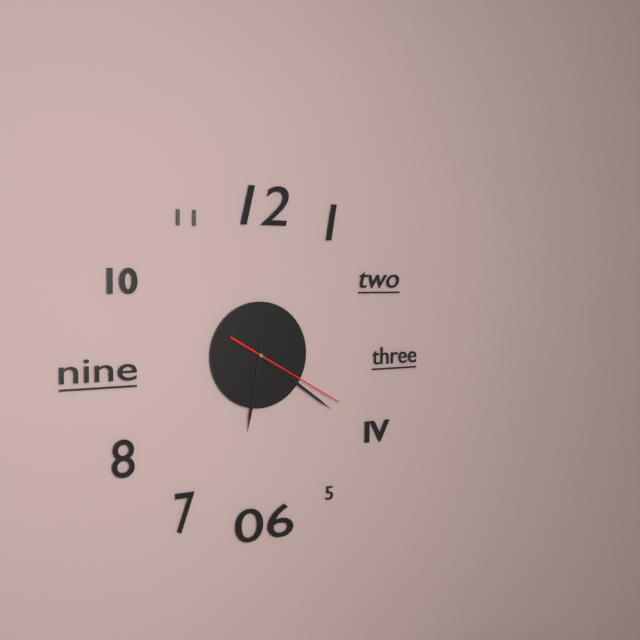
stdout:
{"hour": 6, "minute": 21, "second": 20}
